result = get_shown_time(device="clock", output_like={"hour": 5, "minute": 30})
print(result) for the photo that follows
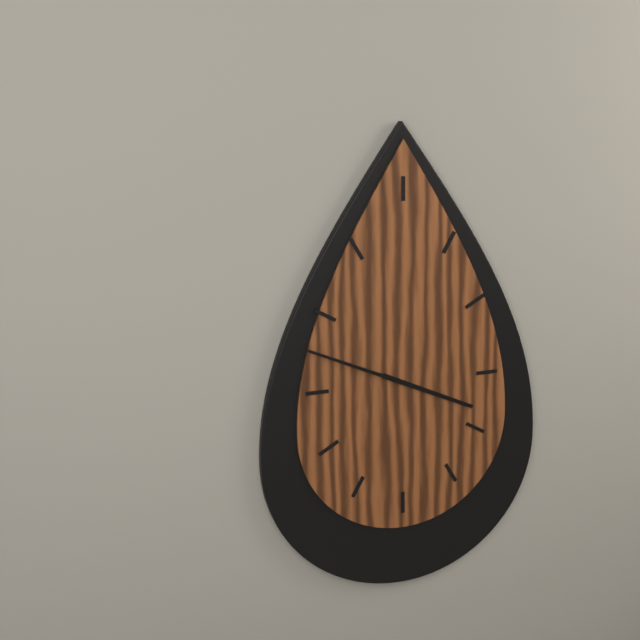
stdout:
{"hour": 3, "minute": 49}
